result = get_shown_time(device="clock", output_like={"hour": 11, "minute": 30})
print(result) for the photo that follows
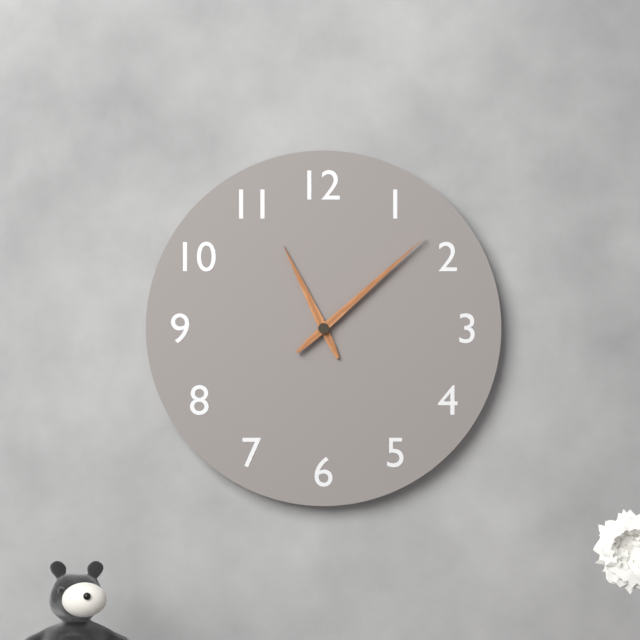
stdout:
{"hour": 11, "minute": 8}
